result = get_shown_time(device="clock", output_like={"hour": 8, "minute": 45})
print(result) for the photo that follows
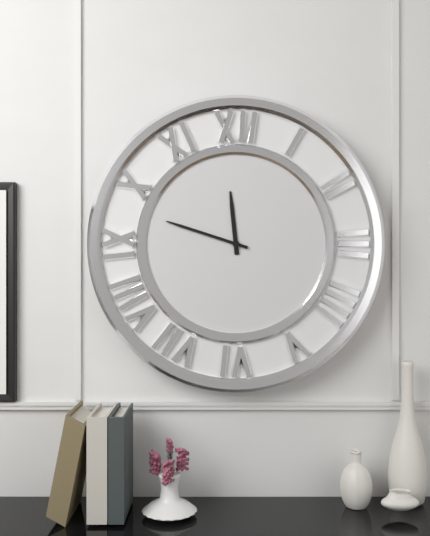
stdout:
{"hour": 11, "minute": 48}
